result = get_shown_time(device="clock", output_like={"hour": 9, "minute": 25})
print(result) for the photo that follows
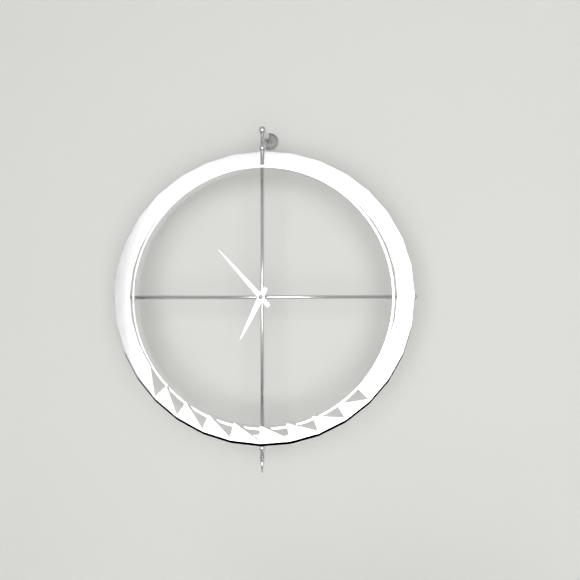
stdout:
{"hour": 6, "minute": 53}
